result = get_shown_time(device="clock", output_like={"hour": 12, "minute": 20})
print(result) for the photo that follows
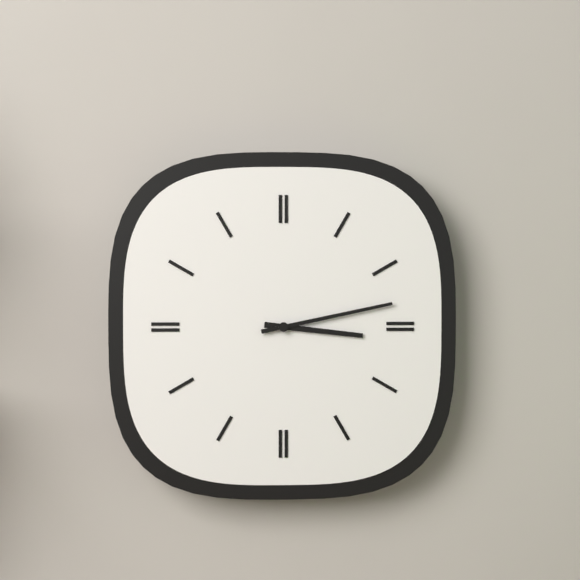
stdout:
{"hour": 3, "minute": 13}
